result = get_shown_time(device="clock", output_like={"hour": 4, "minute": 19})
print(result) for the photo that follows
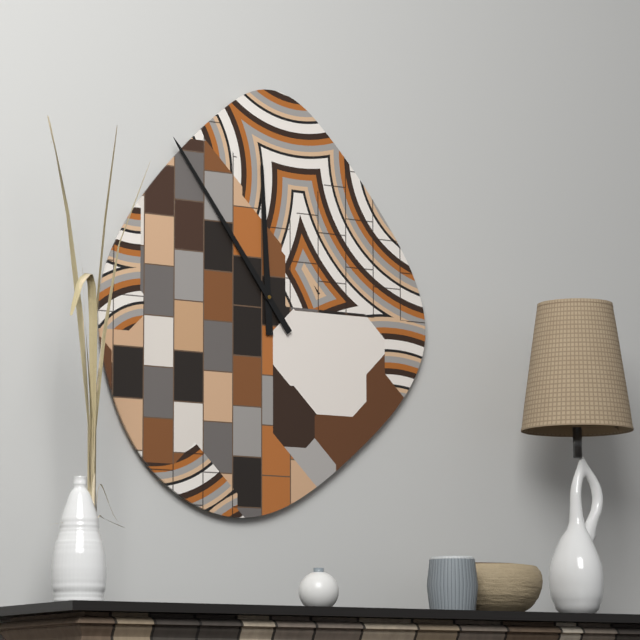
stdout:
{"hour": 11, "minute": 54}
